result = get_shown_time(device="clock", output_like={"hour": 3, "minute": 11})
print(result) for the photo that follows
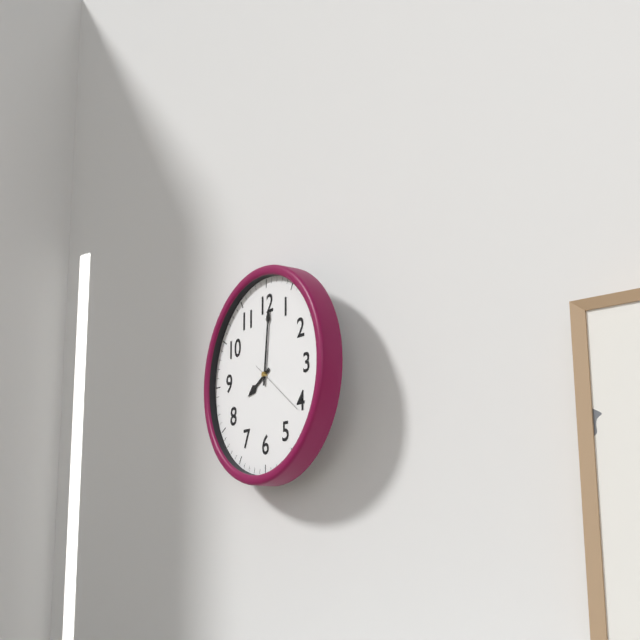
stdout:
{"hour": 8, "minute": 1}
